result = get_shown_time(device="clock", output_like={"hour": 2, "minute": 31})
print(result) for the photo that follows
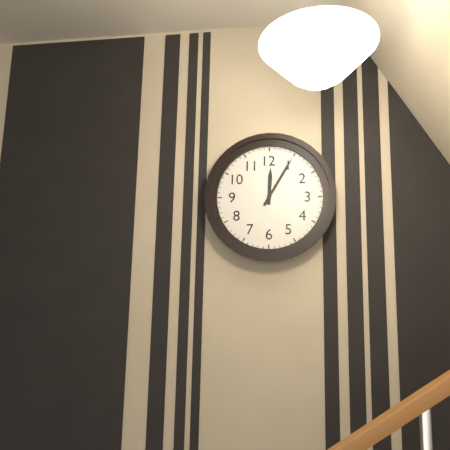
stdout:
{"hour": 12, "minute": 5}
